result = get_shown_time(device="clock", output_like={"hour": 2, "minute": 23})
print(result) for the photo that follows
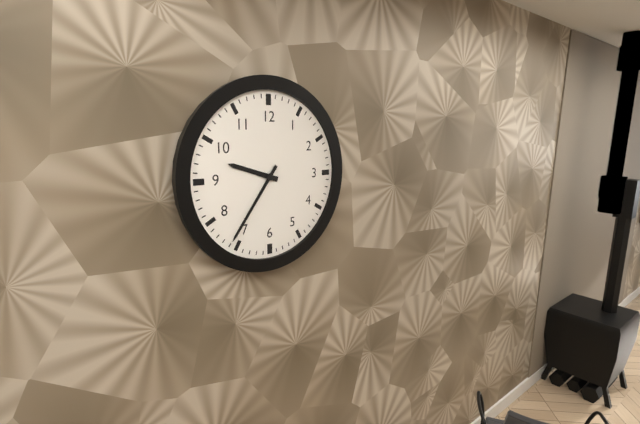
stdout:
{"hour": 9, "minute": 36}
